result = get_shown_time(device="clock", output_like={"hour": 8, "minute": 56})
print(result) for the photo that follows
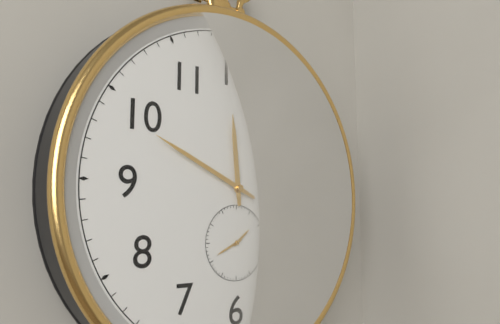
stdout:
{"hour": 11, "minute": 49}
